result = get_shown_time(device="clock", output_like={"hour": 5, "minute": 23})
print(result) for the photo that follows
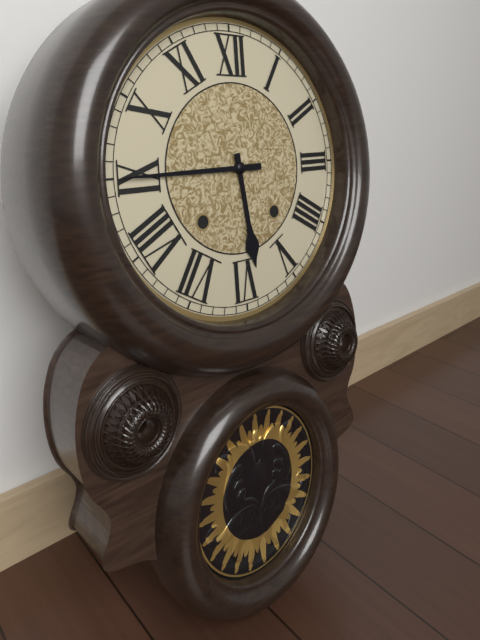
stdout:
{"hour": 5, "minute": 45}
